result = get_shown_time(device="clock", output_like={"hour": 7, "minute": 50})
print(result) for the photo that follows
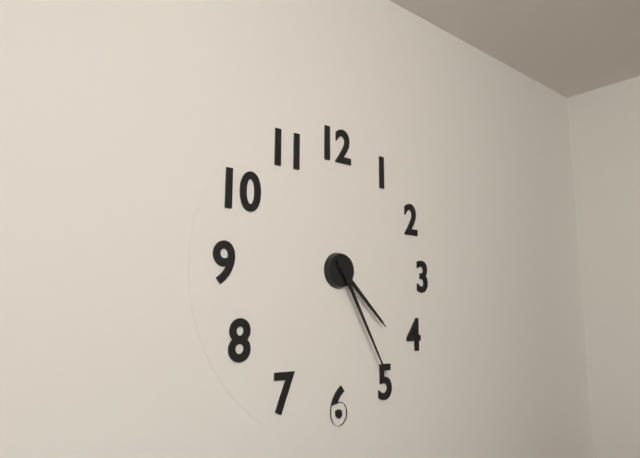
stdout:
{"hour": 4, "minute": 25}
